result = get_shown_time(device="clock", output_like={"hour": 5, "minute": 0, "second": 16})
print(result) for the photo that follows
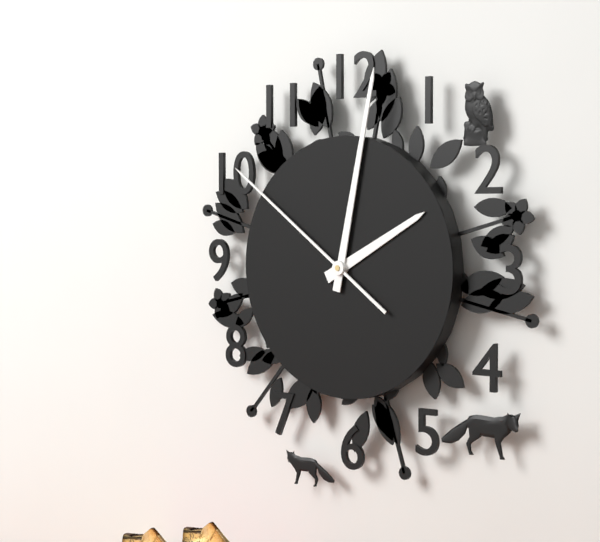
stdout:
{"hour": 2, "minute": 2, "second": 51}
